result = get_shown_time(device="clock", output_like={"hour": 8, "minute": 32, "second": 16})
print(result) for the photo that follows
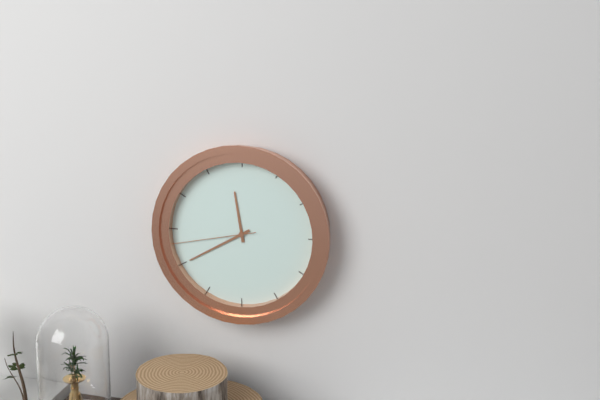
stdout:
{"hour": 11, "minute": 40, "second": 43}
